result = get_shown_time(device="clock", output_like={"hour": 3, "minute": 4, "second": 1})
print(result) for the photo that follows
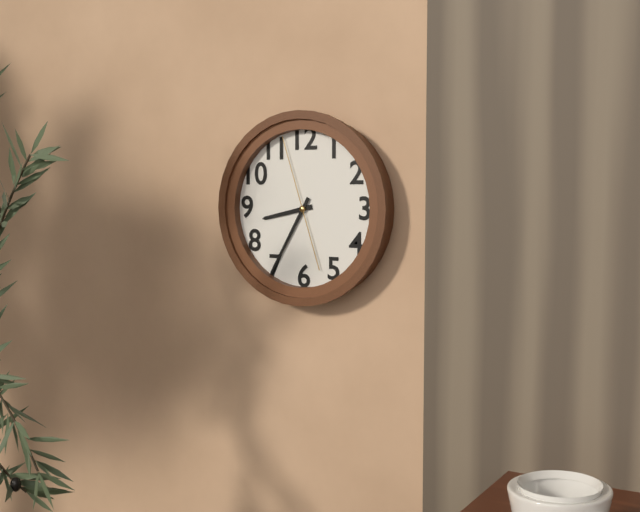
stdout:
{"hour": 8, "minute": 35, "second": 57}
